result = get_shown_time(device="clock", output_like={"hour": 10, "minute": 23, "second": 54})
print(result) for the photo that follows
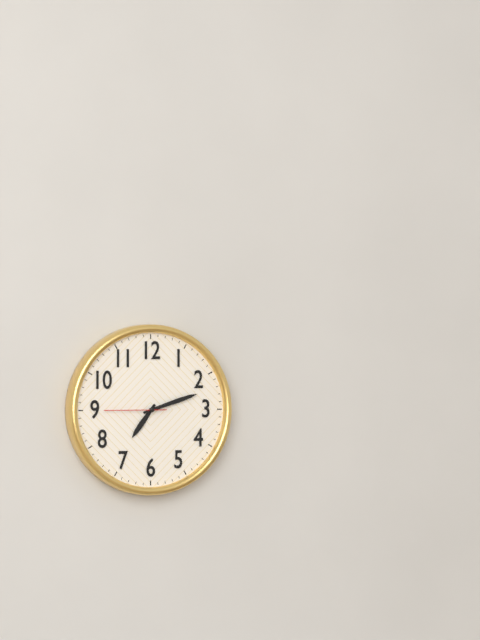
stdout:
{"hour": 7, "minute": 12, "second": 45}
